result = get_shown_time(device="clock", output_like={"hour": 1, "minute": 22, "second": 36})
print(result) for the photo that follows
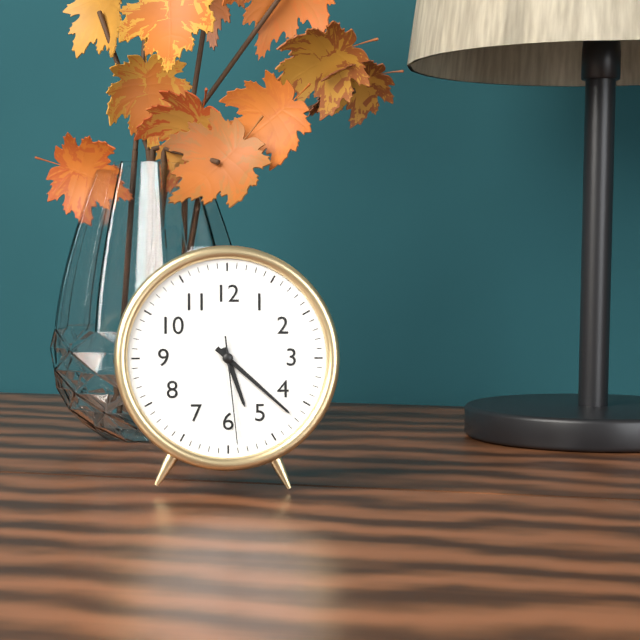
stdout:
{"hour": 5, "minute": 22, "second": 29}
